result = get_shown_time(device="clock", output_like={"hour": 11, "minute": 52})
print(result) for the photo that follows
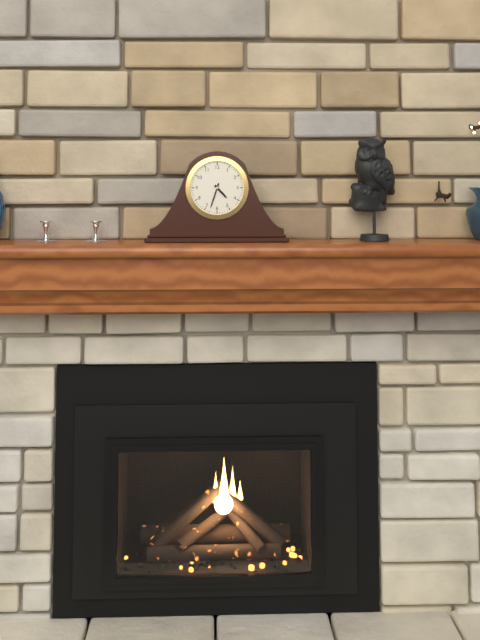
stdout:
{"hour": 4, "minute": 33}
